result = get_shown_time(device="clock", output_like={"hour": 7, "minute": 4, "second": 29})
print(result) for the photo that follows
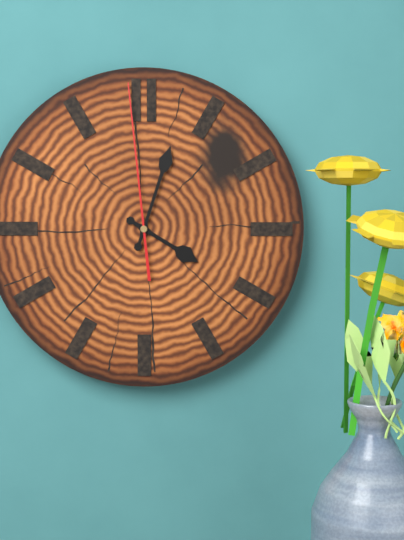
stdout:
{"hour": 4, "minute": 3, "second": 59}
